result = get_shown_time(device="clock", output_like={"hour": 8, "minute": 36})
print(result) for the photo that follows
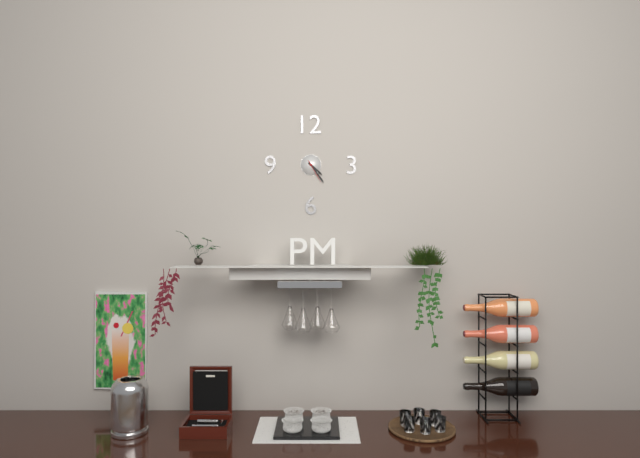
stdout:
{"hour": 4, "minute": 24}
